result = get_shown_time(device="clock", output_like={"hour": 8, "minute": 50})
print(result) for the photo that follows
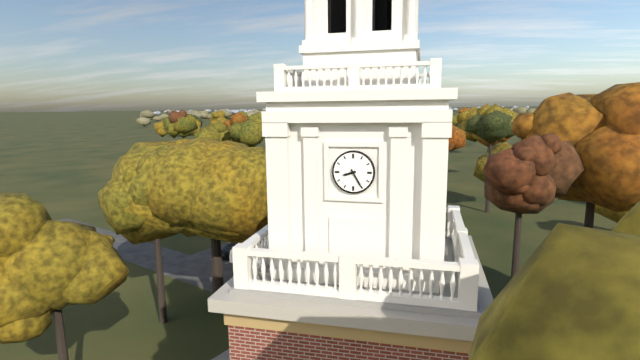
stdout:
{"hour": 8, "minute": 25}
